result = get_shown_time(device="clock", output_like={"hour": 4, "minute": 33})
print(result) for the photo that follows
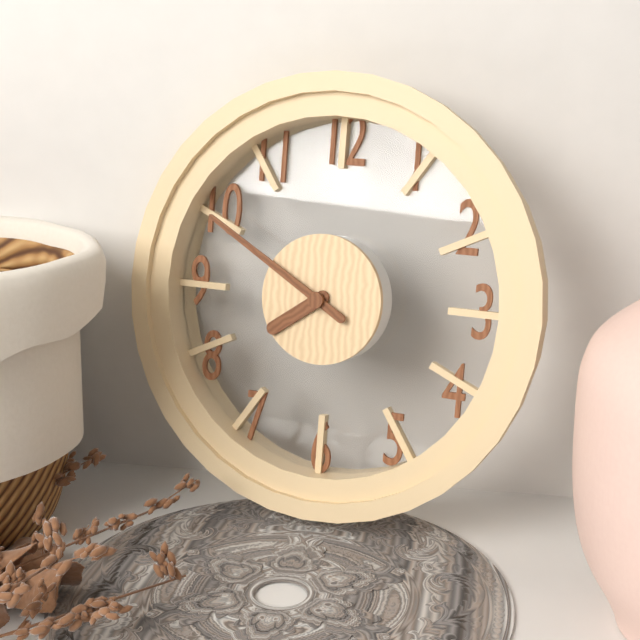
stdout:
{"hour": 7, "minute": 50}
